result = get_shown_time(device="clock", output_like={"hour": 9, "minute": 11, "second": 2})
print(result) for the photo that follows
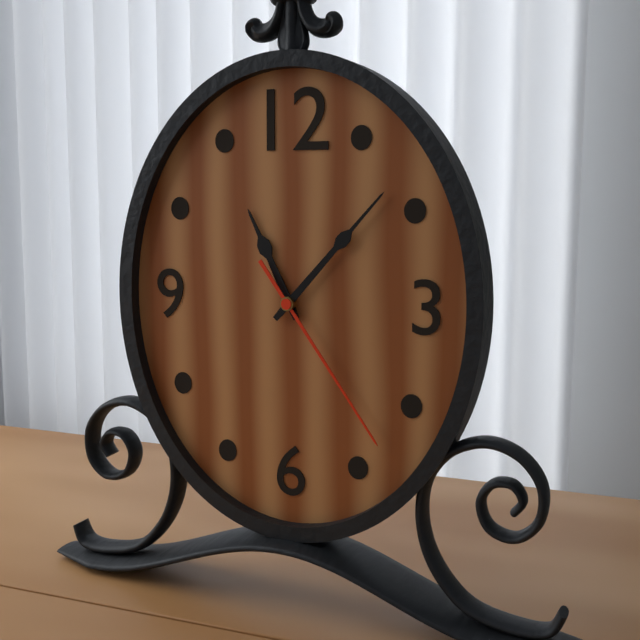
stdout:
{"hour": 11, "minute": 7, "second": 24}
